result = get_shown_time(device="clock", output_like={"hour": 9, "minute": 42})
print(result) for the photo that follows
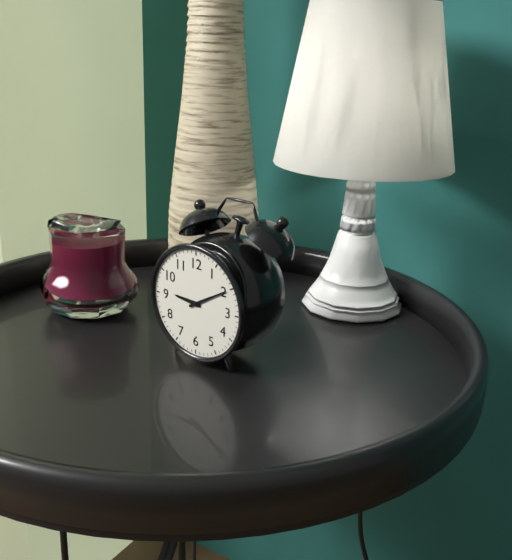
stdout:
{"hour": 9, "minute": 10}
